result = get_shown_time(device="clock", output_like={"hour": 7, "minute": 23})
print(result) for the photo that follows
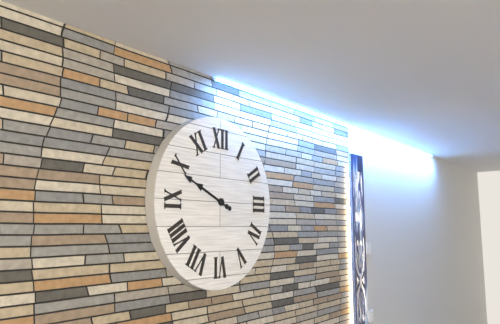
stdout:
{"hour": 9, "minute": 49}
